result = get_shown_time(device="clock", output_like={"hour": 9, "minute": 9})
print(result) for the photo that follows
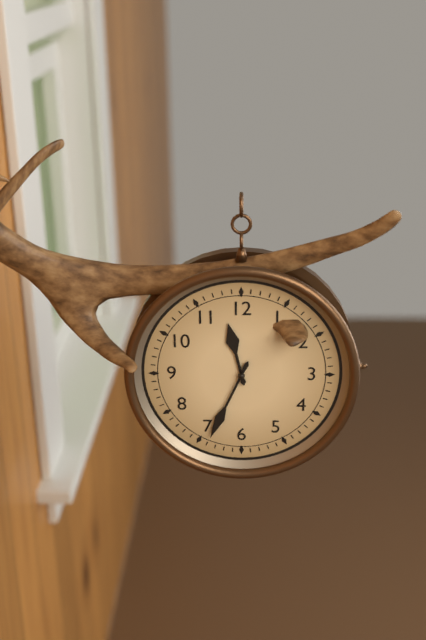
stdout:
{"hour": 11, "minute": 34}
